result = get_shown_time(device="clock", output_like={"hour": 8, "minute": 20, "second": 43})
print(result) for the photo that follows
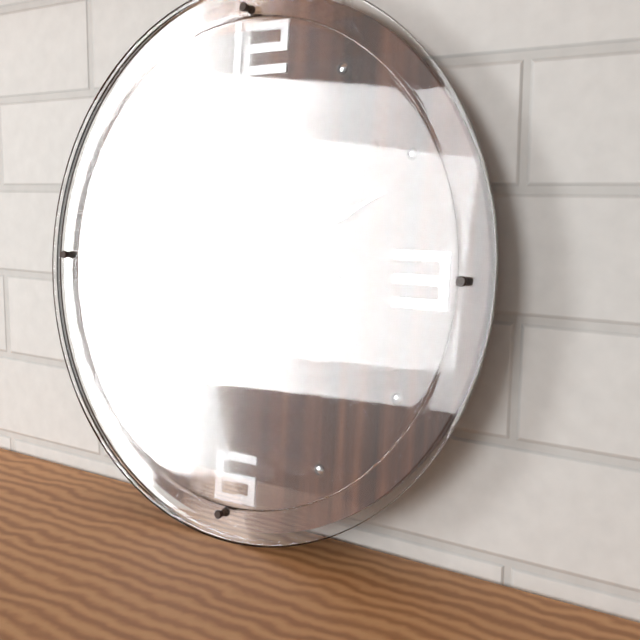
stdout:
{"hour": 3, "minute": 11, "second": 19}
